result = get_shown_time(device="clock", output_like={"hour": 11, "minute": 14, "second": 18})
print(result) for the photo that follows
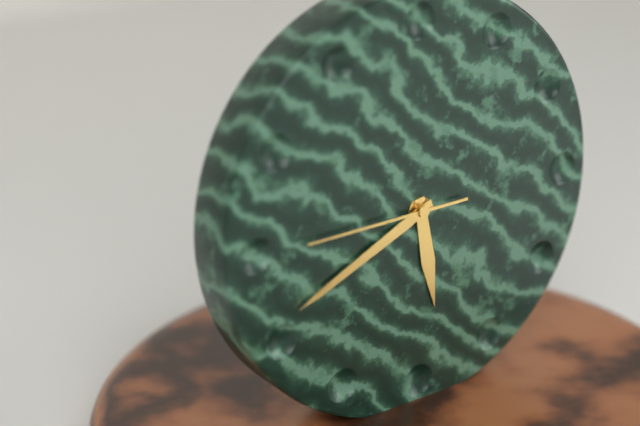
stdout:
{"hour": 5, "minute": 41, "second": 45}
